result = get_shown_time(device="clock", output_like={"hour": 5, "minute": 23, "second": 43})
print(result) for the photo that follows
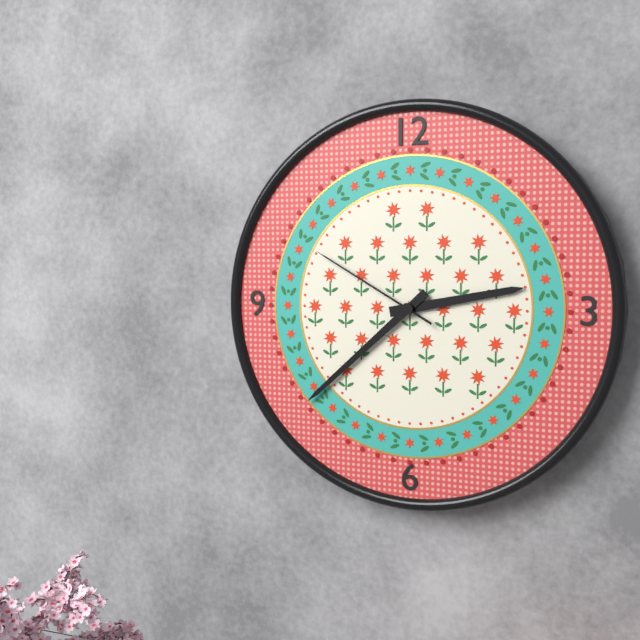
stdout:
{"hour": 2, "minute": 38, "second": 50}
